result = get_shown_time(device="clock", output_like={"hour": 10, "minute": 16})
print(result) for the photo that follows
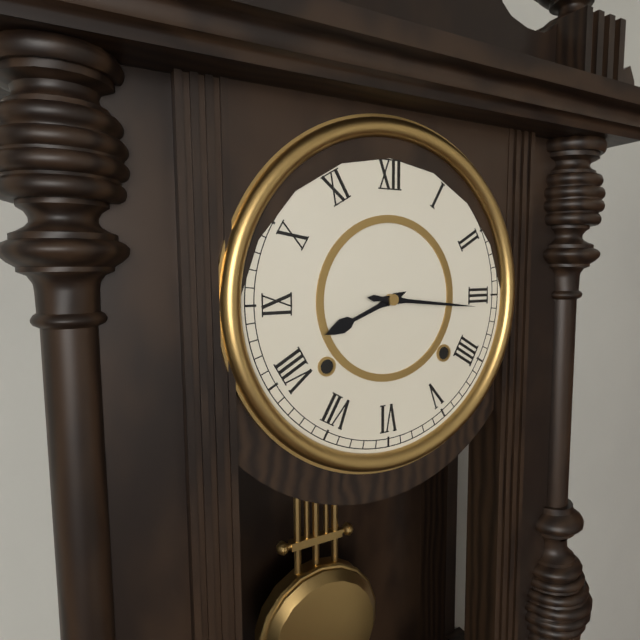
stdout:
{"hour": 8, "minute": 16}
